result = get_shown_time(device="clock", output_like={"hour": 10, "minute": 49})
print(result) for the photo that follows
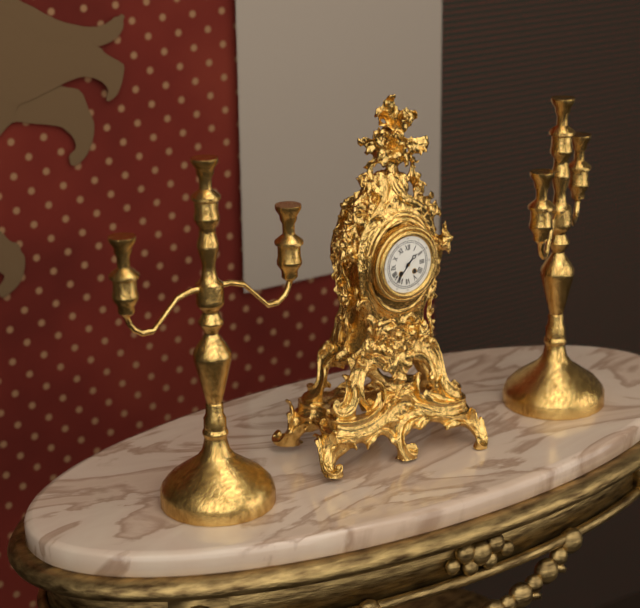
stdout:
{"hour": 1, "minute": 37}
